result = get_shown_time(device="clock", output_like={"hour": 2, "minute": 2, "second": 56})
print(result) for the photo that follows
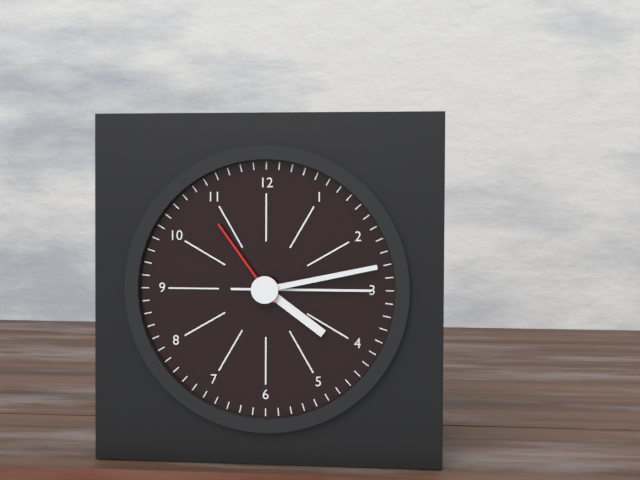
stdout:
{"hour": 4, "minute": 13, "second": 54}
